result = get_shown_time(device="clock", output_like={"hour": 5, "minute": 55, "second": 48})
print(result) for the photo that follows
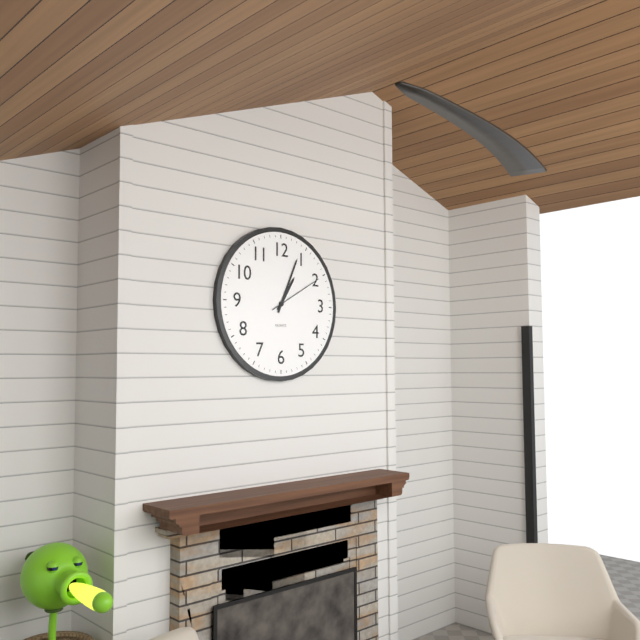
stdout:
{"hour": 1, "minute": 4, "second": 10}
